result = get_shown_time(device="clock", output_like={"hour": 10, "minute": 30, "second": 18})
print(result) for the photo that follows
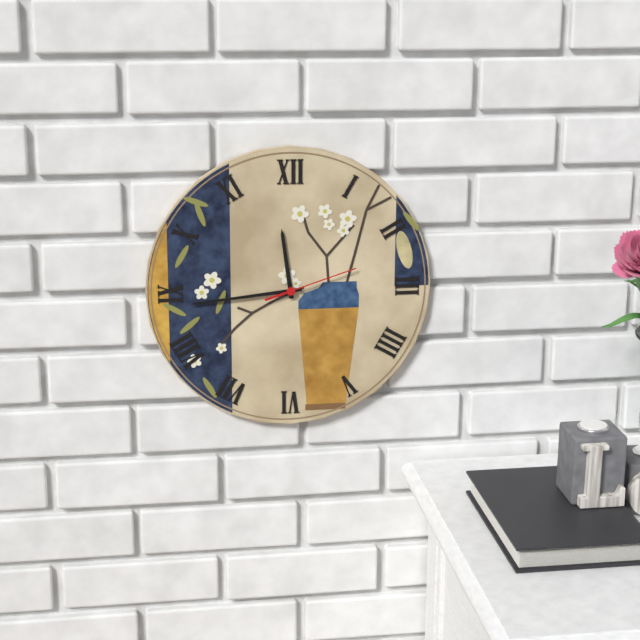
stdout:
{"hour": 11, "minute": 44, "second": 12}
